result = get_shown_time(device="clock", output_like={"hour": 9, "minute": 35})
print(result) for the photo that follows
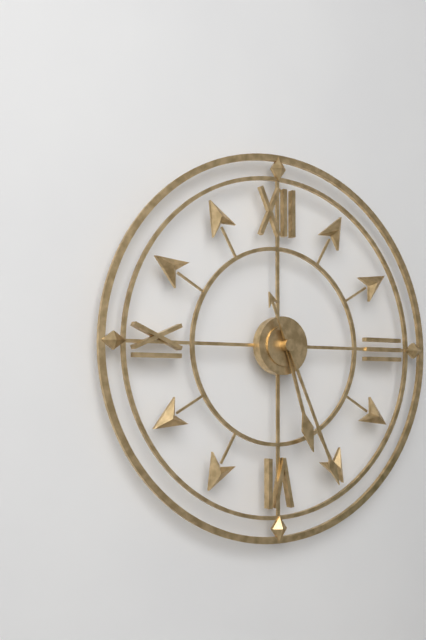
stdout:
{"hour": 5, "minute": 26}
